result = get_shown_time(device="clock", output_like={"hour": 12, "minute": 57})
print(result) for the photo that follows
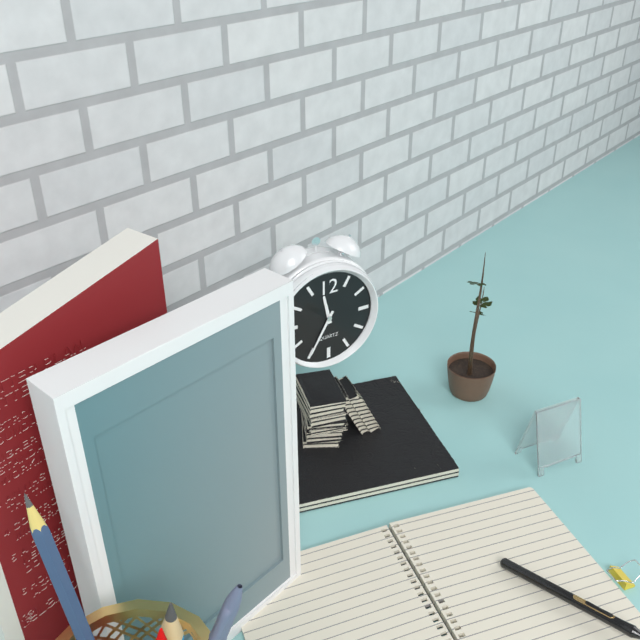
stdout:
{"hour": 11, "minute": 35}
